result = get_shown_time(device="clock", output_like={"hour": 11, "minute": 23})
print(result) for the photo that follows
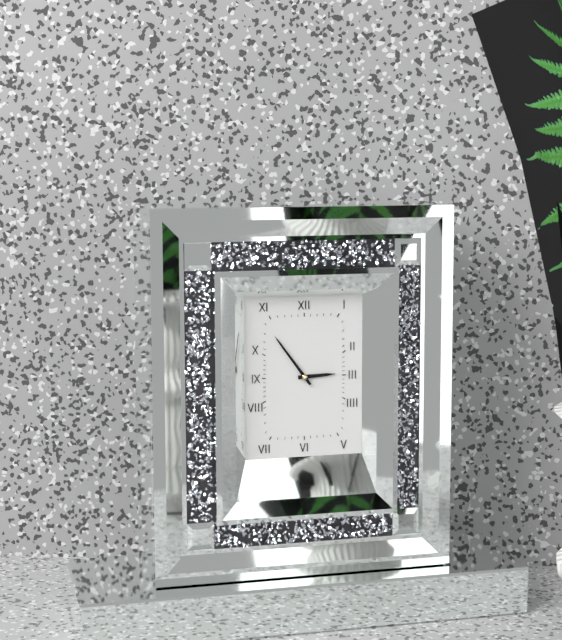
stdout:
{"hour": 2, "minute": 54}
